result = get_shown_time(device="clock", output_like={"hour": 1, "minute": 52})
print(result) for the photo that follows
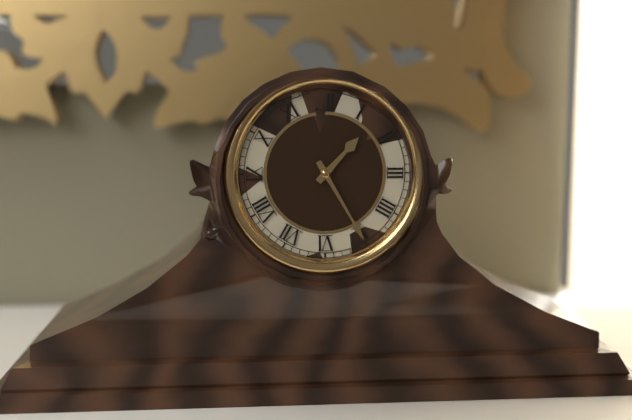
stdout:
{"hour": 1, "minute": 25}
